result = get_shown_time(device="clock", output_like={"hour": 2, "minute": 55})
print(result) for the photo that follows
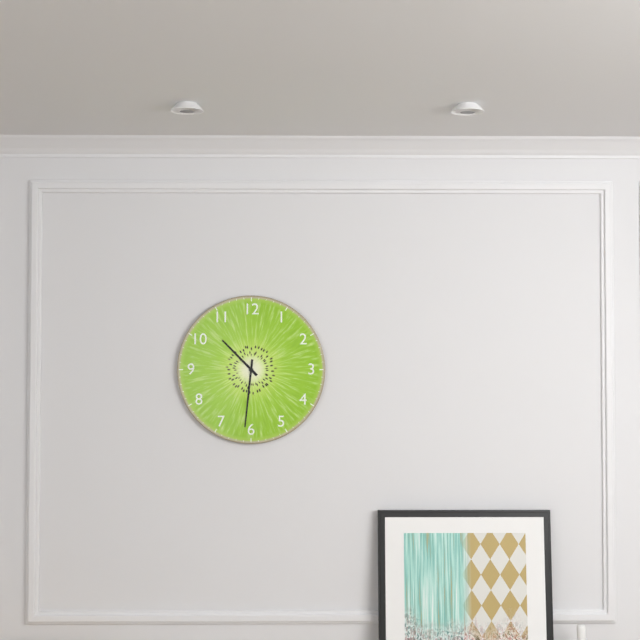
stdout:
{"hour": 10, "minute": 31}
